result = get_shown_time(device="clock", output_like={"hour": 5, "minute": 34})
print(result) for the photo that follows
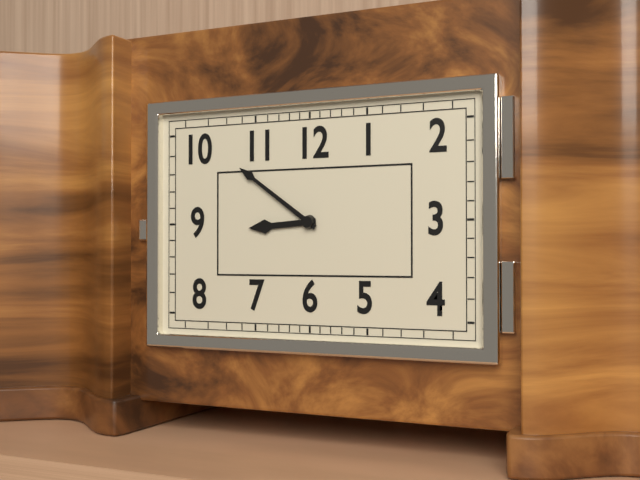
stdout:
{"hour": 8, "minute": 51}
